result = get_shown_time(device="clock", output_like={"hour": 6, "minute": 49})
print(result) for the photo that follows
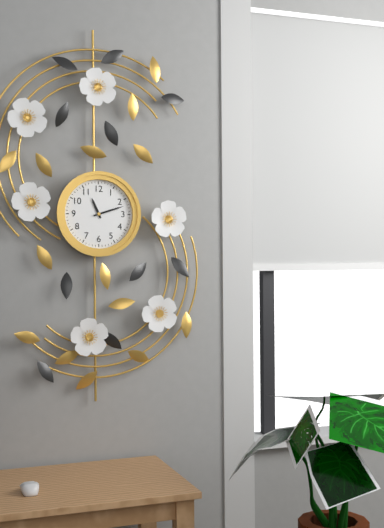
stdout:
{"hour": 11, "minute": 12}
